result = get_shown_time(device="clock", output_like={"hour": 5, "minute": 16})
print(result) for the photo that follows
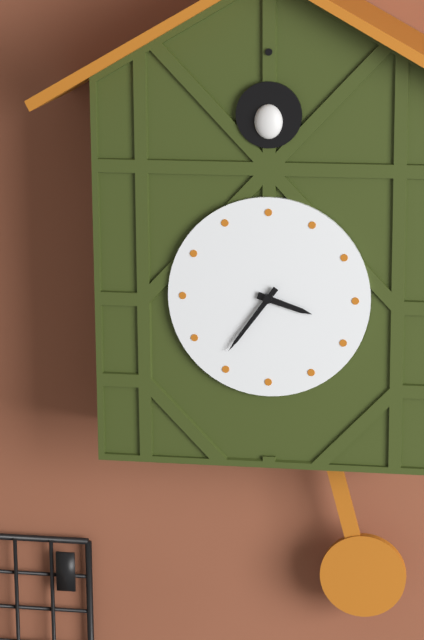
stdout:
{"hour": 3, "minute": 36}
